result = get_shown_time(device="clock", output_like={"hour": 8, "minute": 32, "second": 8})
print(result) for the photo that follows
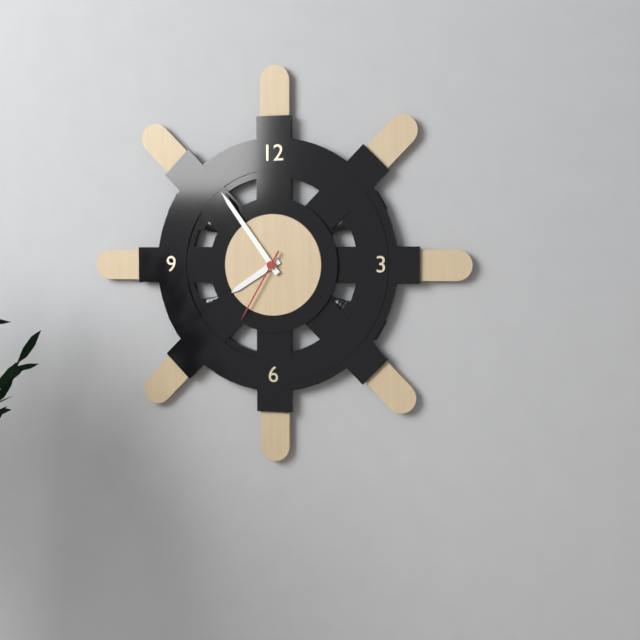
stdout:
{"hour": 7, "minute": 54, "second": 35}
